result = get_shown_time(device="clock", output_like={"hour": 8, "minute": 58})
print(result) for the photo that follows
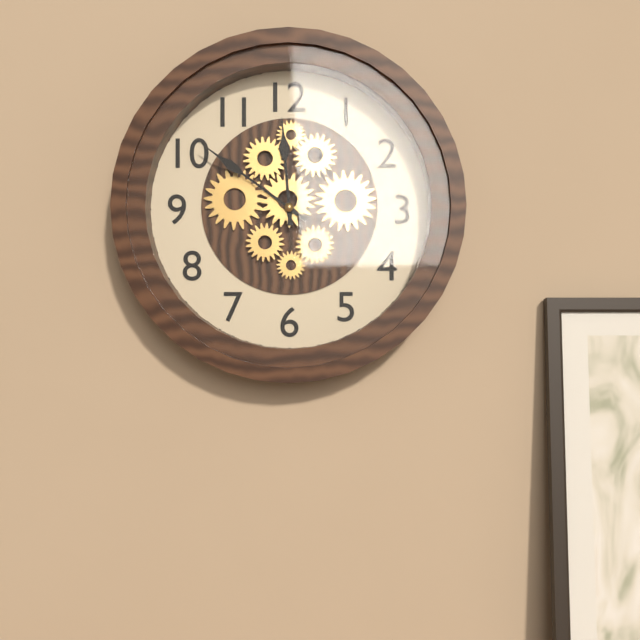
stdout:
{"hour": 11, "minute": 51}
